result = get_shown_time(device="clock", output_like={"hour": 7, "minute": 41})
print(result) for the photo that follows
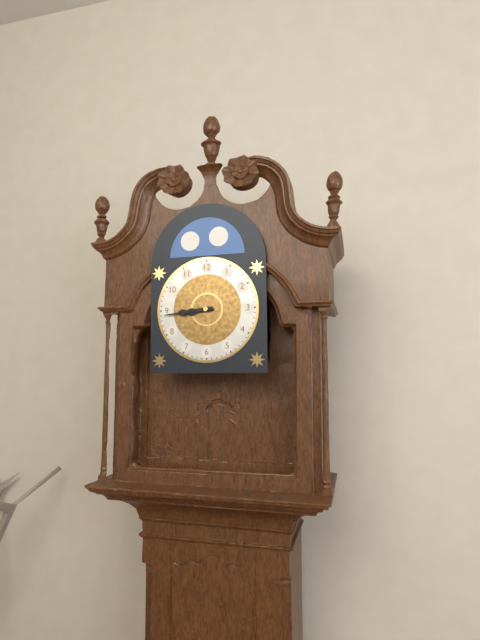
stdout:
{"hour": 8, "minute": 44}
